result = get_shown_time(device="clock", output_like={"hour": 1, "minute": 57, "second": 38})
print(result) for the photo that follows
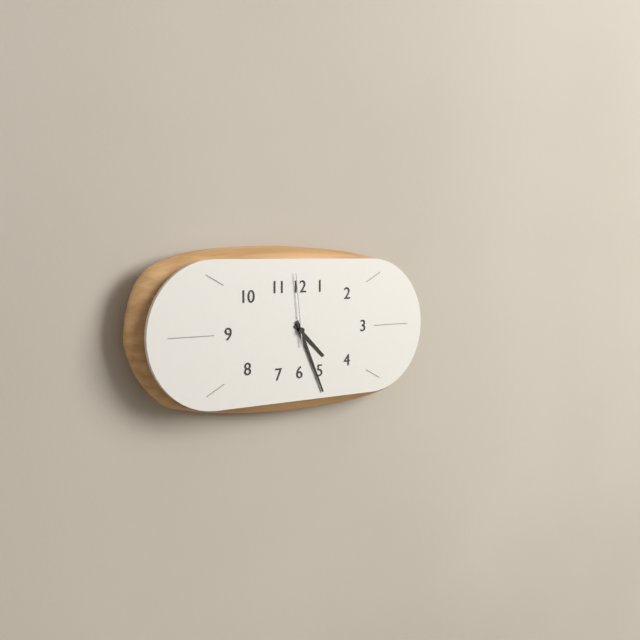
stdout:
{"hour": 4, "minute": 26, "second": 59}
